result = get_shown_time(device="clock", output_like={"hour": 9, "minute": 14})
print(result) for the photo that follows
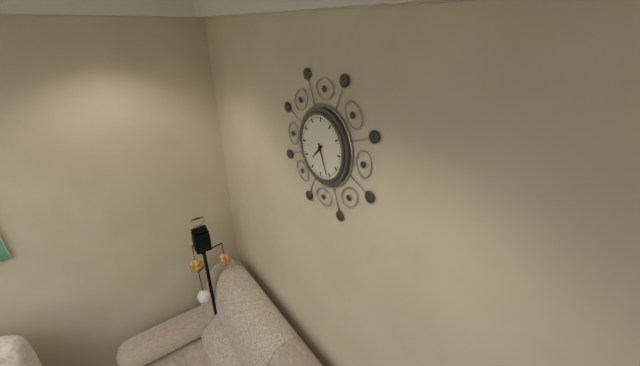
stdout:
{"hour": 7, "minute": 26}
